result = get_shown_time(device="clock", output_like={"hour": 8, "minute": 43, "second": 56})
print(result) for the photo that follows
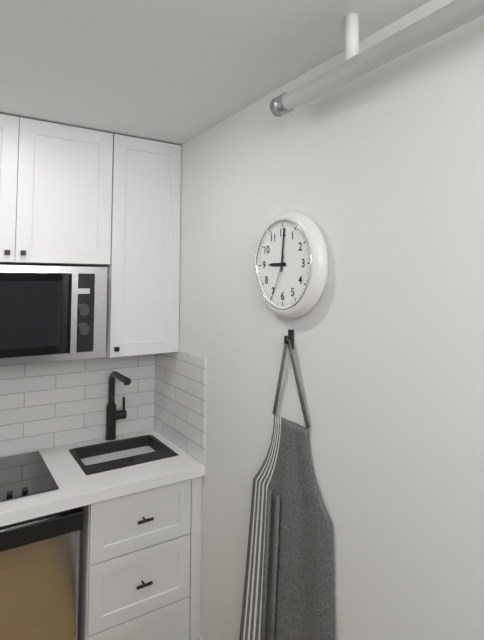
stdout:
{"hour": 9, "minute": 1, "second": 34}
